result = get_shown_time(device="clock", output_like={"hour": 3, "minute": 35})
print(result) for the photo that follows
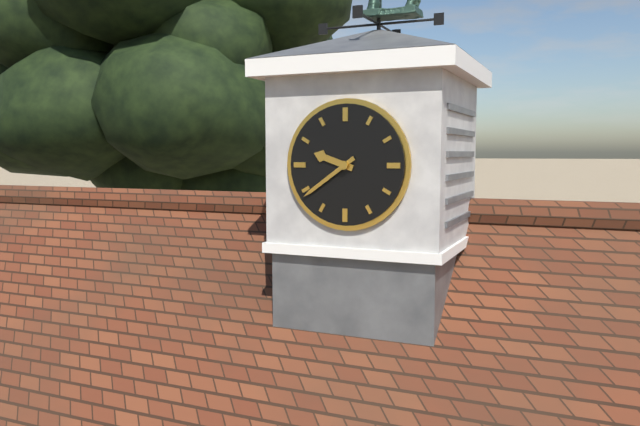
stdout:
{"hour": 9, "minute": 39}
